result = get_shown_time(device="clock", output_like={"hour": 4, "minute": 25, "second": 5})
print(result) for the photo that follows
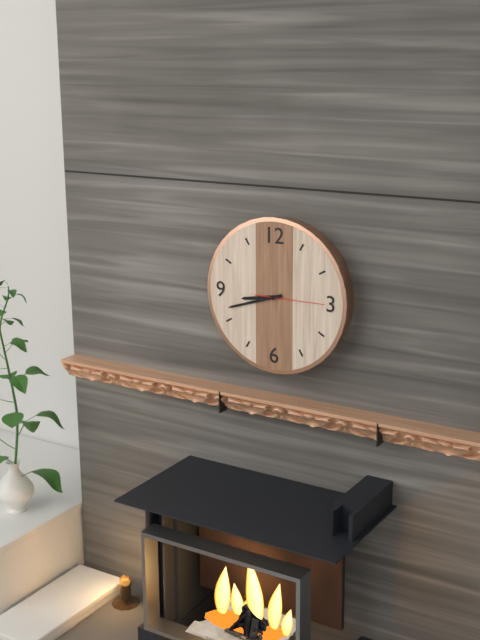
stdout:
{"hour": 8, "minute": 42, "second": 15}
